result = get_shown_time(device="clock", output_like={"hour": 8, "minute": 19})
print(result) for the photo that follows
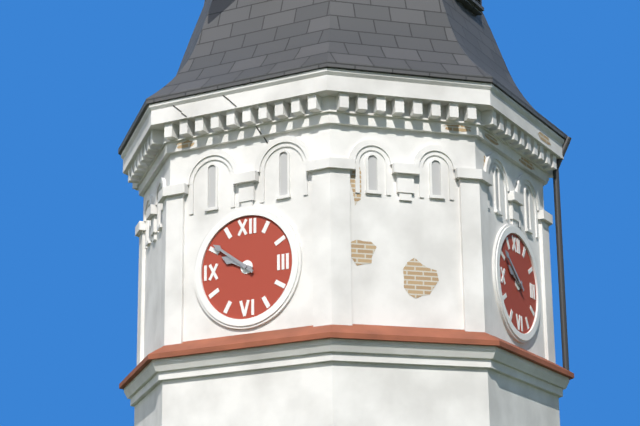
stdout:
{"hour": 9, "minute": 51}
